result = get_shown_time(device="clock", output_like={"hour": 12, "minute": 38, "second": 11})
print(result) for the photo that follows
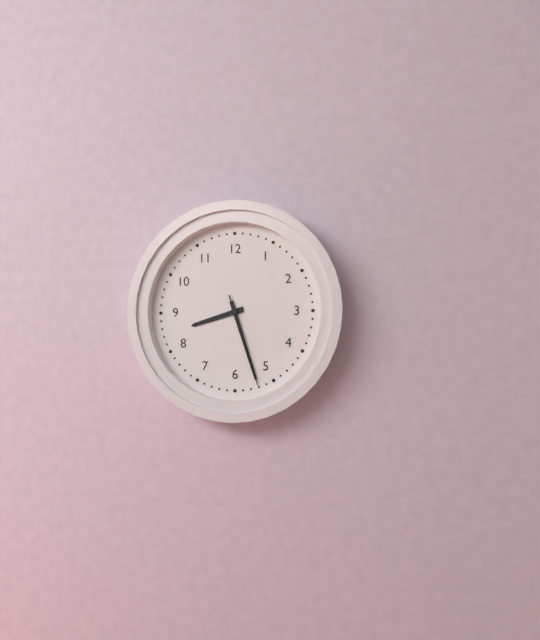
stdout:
{"hour": 8, "minute": 27, "second": 27}
